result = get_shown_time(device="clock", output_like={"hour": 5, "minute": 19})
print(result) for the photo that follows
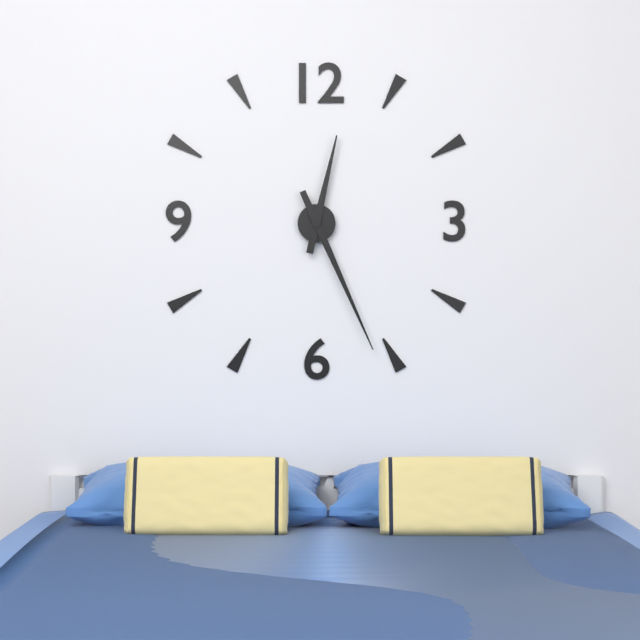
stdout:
{"hour": 12, "minute": 26}
